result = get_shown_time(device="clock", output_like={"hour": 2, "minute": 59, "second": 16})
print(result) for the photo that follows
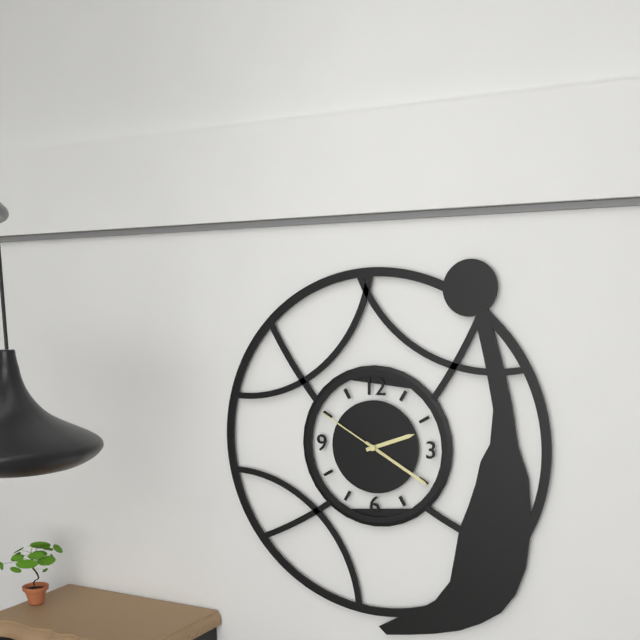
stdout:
{"hour": 2, "minute": 20, "second": 50}
